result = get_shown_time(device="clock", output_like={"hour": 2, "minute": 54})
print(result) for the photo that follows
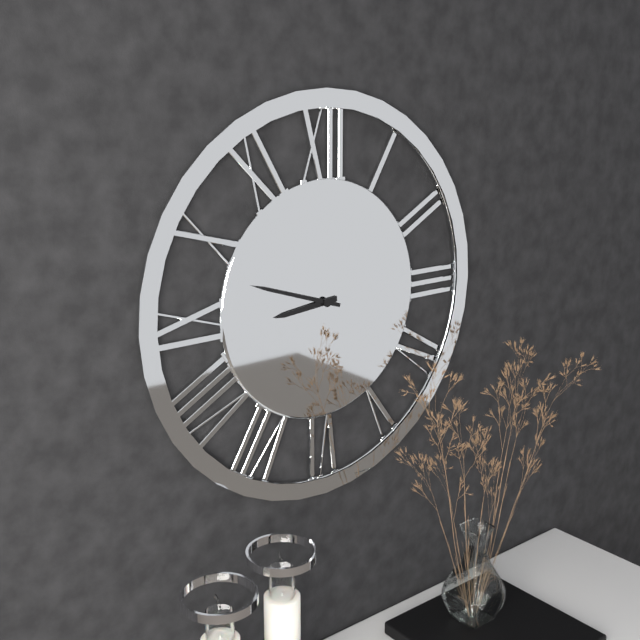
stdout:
{"hour": 8, "minute": 48}
